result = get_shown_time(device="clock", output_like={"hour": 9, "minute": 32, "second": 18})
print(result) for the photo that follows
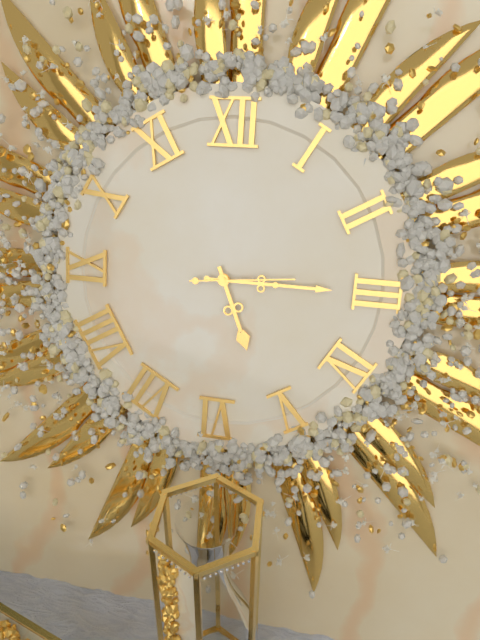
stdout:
{"hour": 5, "minute": 15, "second": 14}
